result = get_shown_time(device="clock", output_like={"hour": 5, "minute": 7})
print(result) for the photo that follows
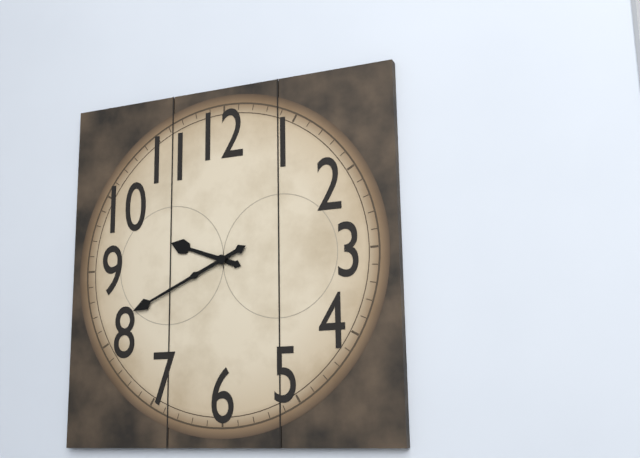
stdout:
{"hour": 9, "minute": 41}
